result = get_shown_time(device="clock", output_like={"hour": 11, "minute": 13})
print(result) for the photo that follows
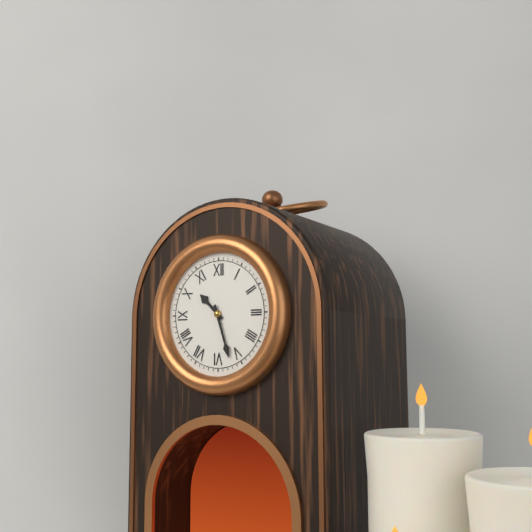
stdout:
{"hour": 10, "minute": 27}
